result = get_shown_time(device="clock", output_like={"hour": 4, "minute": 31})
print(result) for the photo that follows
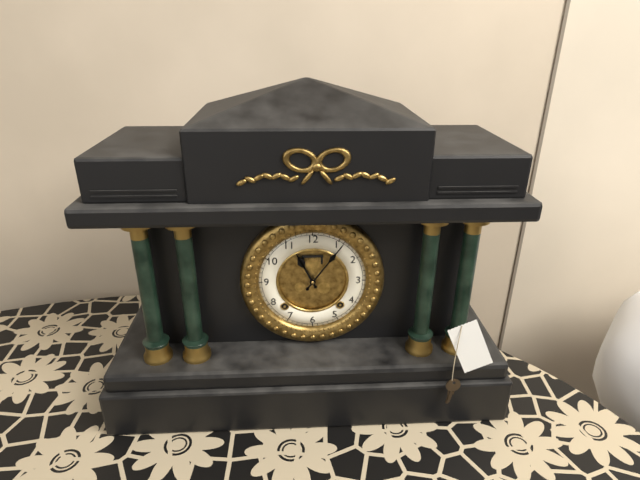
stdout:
{"hour": 11, "minute": 6}
